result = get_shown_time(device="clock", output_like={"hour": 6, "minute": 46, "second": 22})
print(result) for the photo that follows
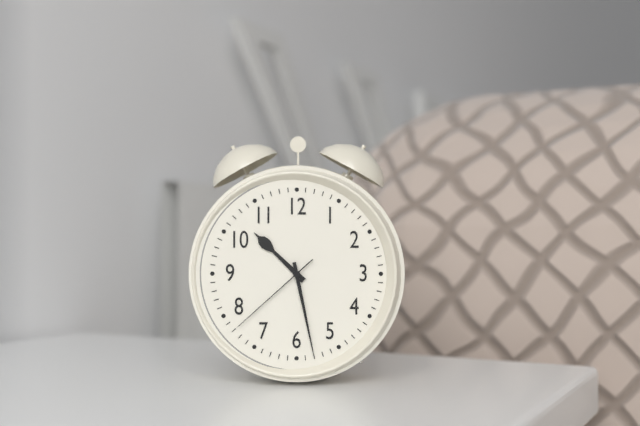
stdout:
{"hour": 10, "minute": 28, "second": 38}
